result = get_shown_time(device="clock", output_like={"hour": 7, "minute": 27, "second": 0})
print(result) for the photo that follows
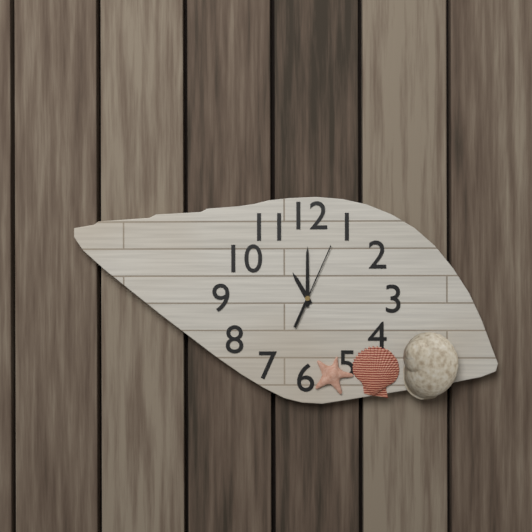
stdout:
{"hour": 11, "minute": 0, "second": 4}
